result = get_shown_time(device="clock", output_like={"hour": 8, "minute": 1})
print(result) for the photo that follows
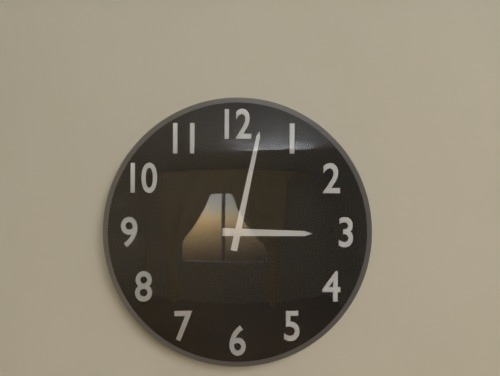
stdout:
{"hour": 3, "minute": 2}
